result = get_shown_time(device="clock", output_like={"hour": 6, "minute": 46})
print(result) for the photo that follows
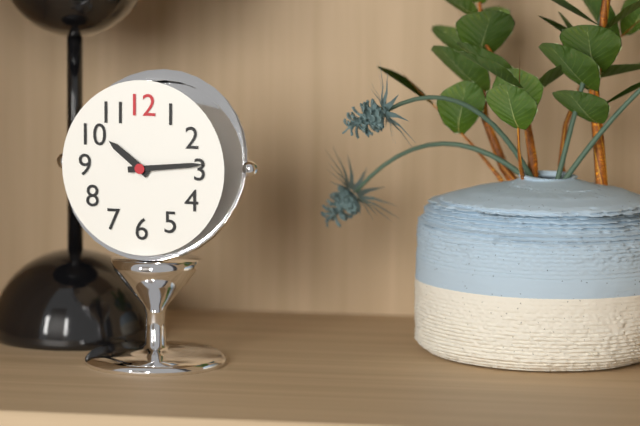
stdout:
{"hour": 10, "minute": 14}
